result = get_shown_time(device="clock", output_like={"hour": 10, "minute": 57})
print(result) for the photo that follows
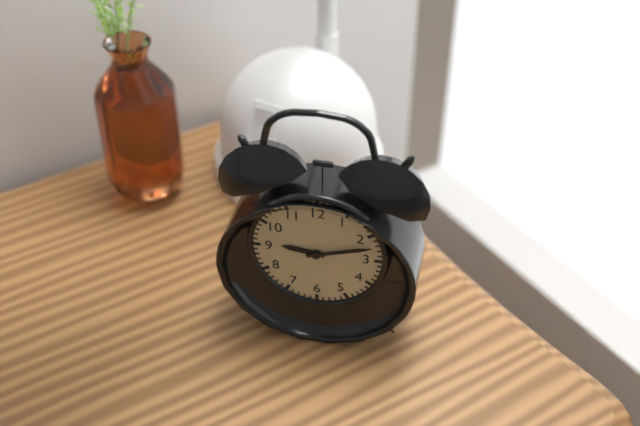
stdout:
{"hour": 9, "minute": 12}
